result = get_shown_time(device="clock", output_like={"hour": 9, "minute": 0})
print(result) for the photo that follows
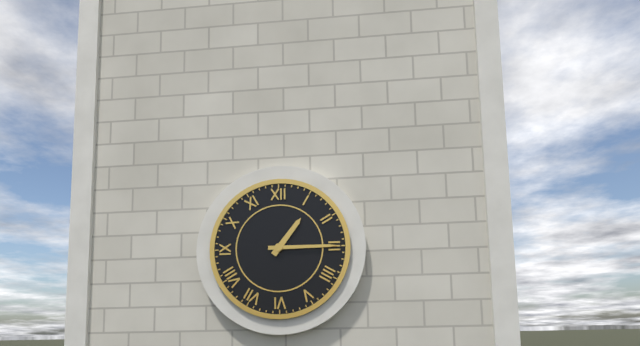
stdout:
{"hour": 1, "minute": 15}
